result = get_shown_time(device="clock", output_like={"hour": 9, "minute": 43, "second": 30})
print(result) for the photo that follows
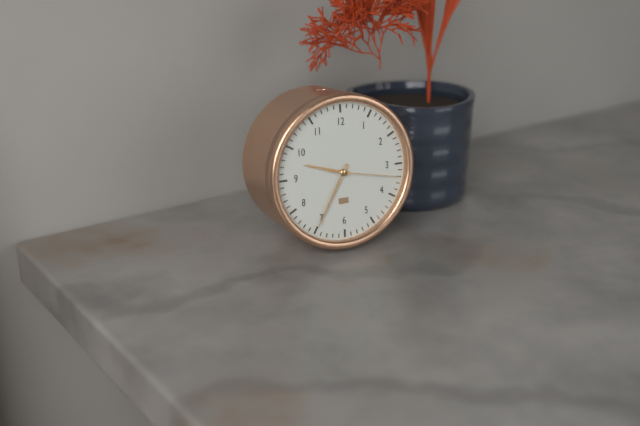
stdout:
{"hour": 9, "minute": 35, "second": 17}
